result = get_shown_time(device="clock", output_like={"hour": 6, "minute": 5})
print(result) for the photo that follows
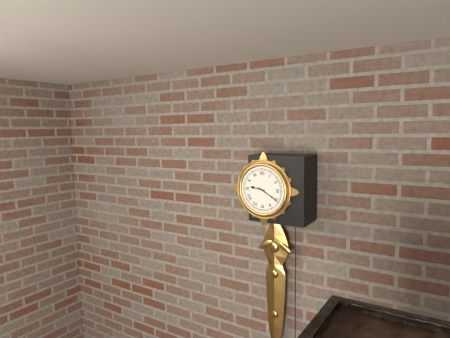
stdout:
{"hour": 9, "minute": 20}
